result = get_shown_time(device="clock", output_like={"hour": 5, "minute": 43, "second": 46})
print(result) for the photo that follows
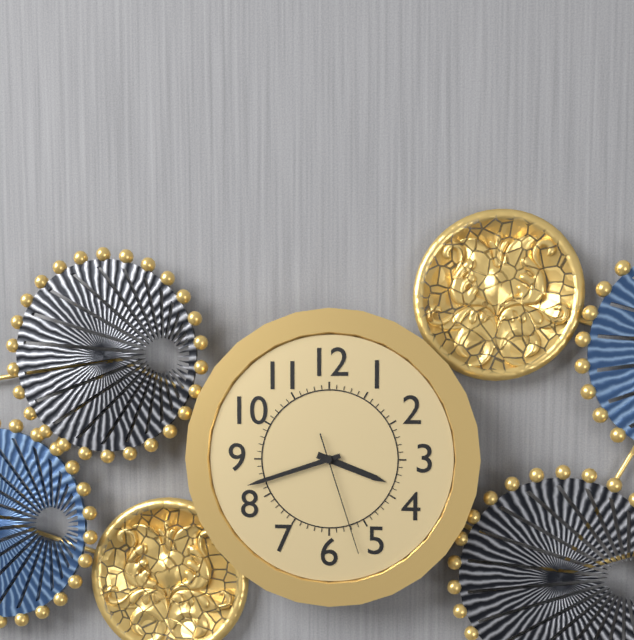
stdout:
{"hour": 3, "minute": 42, "second": 27}
